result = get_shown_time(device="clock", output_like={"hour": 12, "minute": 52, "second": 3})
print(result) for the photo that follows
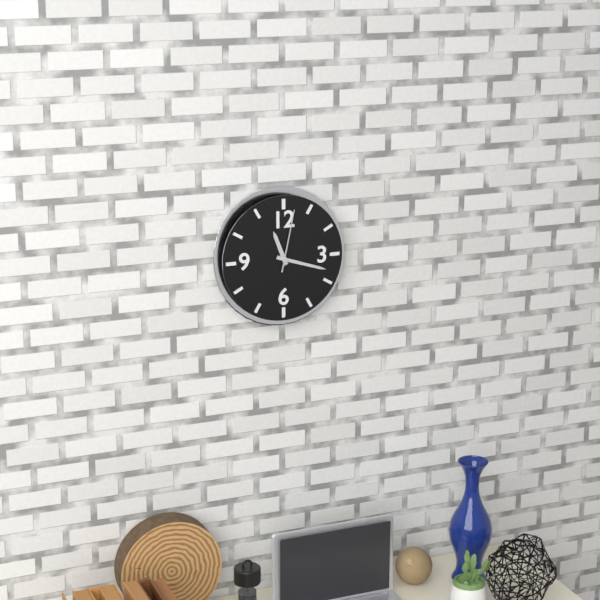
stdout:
{"hour": 11, "minute": 18, "second": 2}
